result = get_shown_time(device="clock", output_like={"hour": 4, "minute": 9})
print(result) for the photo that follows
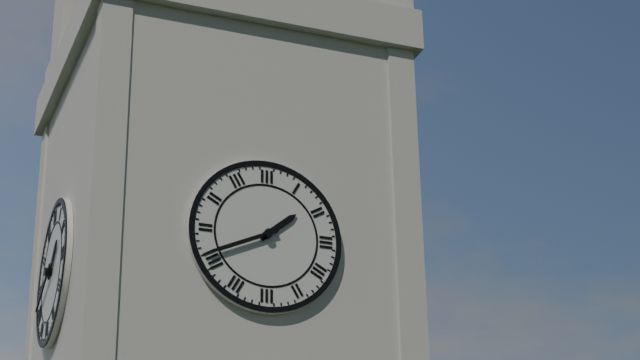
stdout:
{"hour": 1, "minute": 41}
